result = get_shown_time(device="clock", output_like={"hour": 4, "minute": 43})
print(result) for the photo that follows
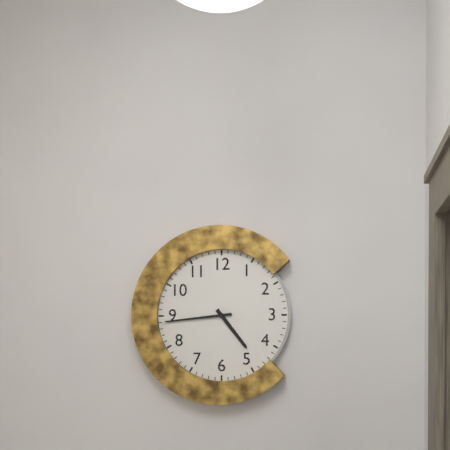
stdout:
{"hour": 4, "minute": 44}
